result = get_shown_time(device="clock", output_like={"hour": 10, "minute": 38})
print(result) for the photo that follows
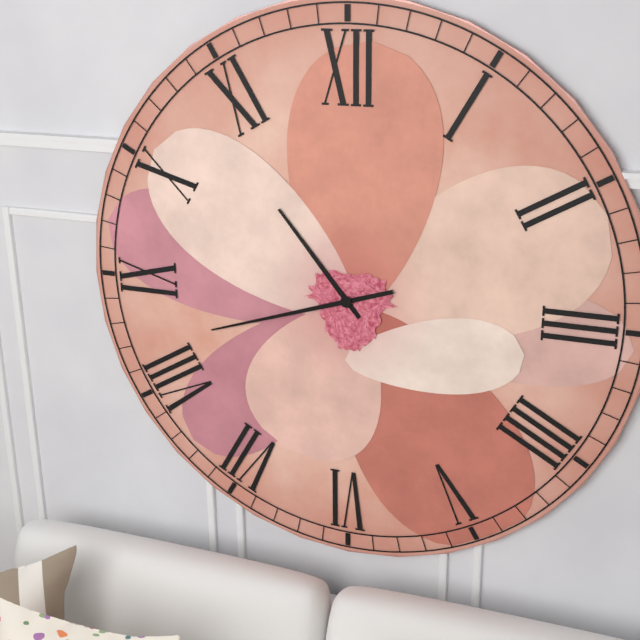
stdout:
{"hour": 10, "minute": 42}
